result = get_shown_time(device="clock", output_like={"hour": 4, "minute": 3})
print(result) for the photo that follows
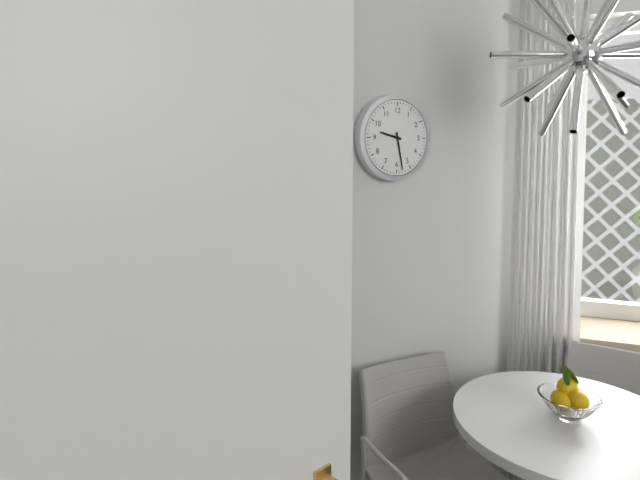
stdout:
{"hour": 9, "minute": 28}
